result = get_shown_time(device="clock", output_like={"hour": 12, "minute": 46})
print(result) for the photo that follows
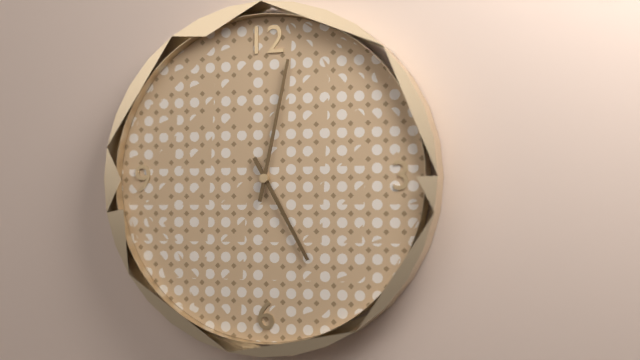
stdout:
{"hour": 5, "minute": 2}
